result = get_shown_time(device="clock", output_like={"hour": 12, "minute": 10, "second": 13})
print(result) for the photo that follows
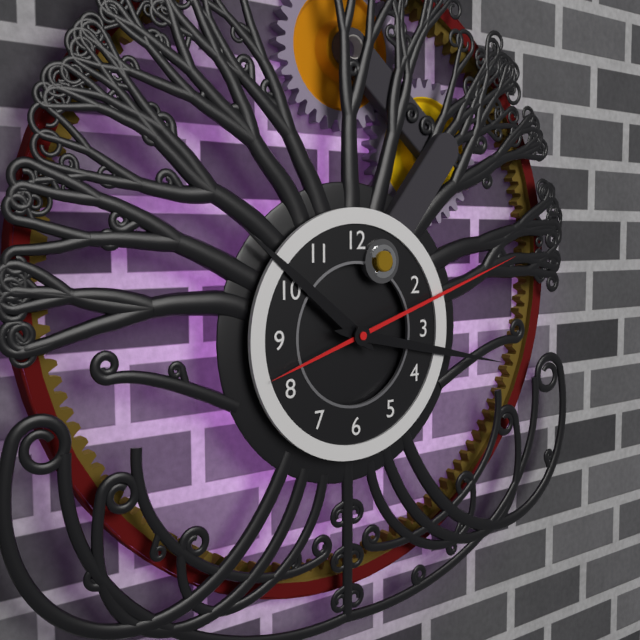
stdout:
{"hour": 10, "minute": 17, "second": 12}
